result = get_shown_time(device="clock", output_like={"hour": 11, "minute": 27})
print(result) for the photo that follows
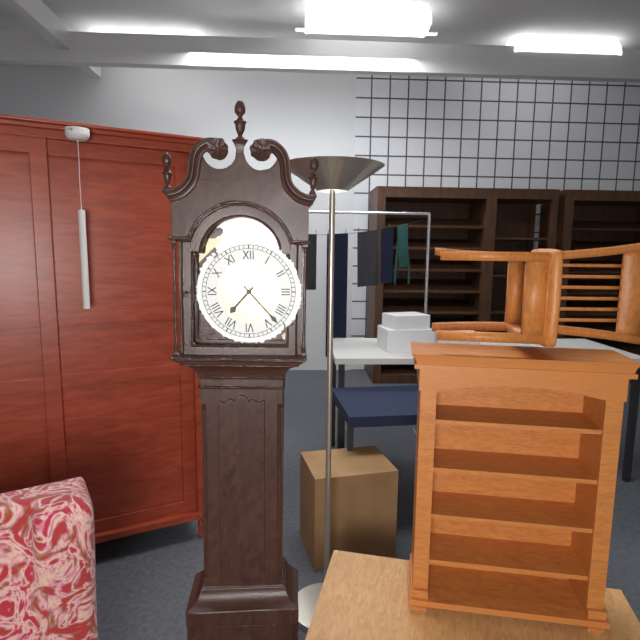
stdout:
{"hour": 7, "minute": 23}
